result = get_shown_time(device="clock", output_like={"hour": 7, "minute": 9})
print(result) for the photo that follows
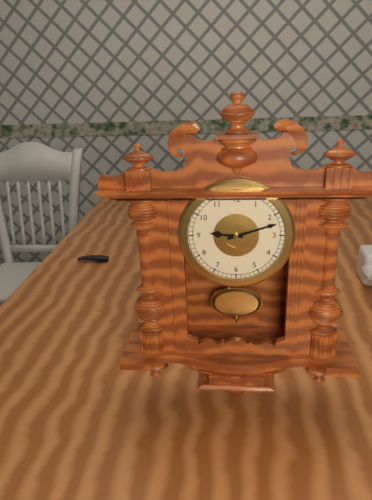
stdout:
{"hour": 9, "minute": 12}
